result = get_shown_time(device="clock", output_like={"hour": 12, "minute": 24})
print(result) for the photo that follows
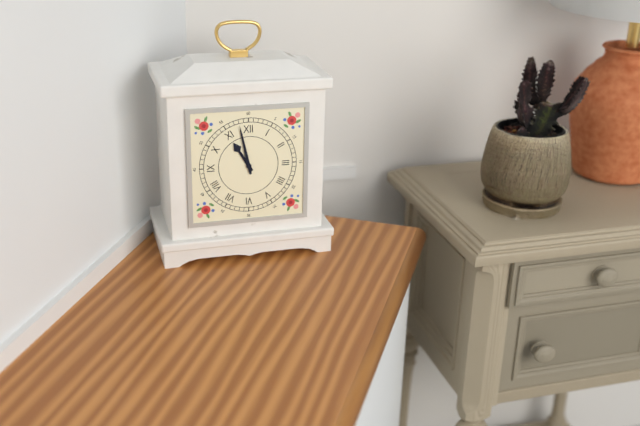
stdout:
{"hour": 10, "minute": 58}
